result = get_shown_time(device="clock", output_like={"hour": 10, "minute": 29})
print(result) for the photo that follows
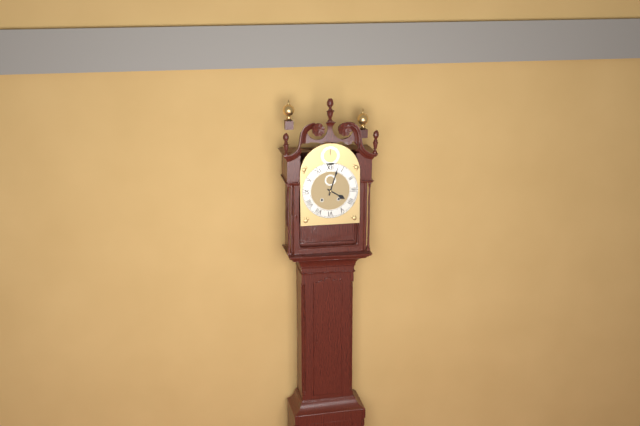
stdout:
{"hour": 4, "minute": 3}
